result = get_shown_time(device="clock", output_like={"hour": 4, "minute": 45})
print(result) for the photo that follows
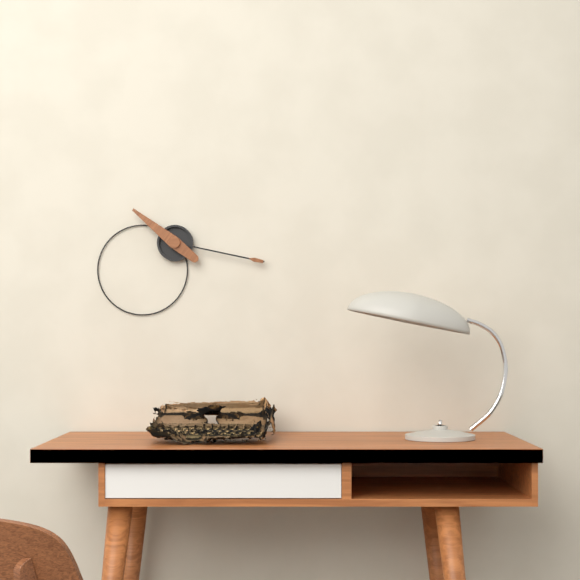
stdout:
{"hour": 10, "minute": 17}
